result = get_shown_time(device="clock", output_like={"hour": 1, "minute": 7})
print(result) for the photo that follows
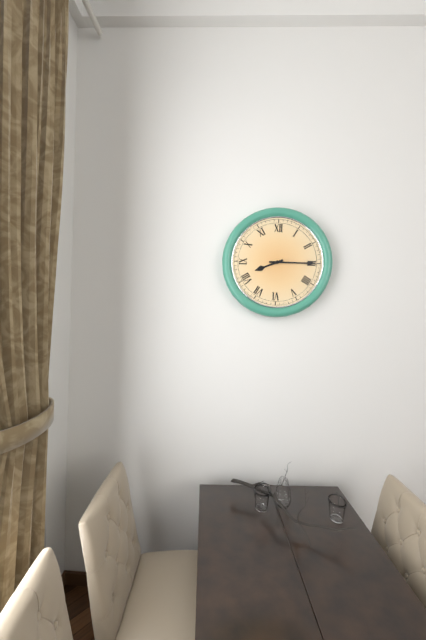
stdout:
{"hour": 8, "minute": 15}
